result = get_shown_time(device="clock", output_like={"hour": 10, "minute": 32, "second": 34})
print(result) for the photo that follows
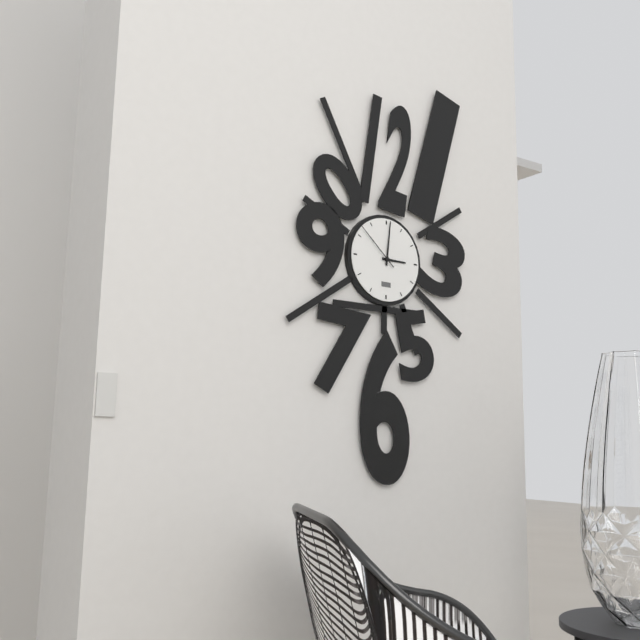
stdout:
{"hour": 3, "minute": 1, "second": 52}
